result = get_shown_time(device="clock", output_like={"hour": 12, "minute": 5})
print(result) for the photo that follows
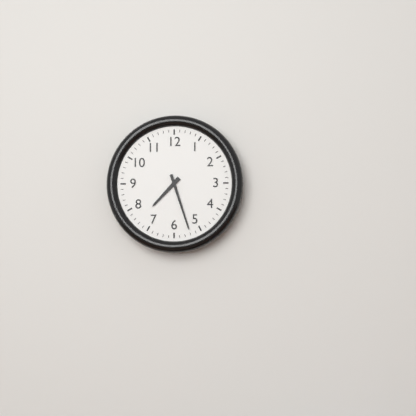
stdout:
{"hour": 7, "minute": 27}
